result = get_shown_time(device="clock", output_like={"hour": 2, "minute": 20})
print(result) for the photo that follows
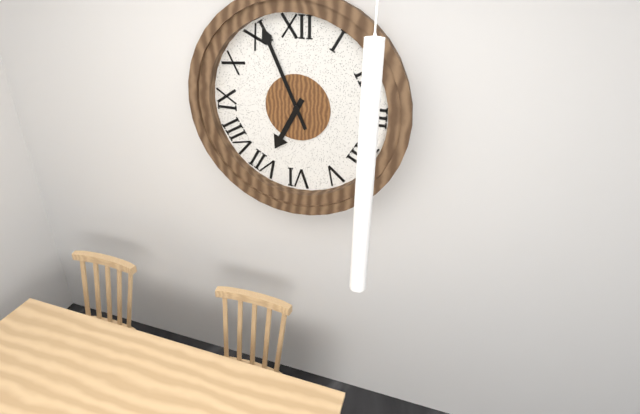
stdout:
{"hour": 6, "minute": 56}
